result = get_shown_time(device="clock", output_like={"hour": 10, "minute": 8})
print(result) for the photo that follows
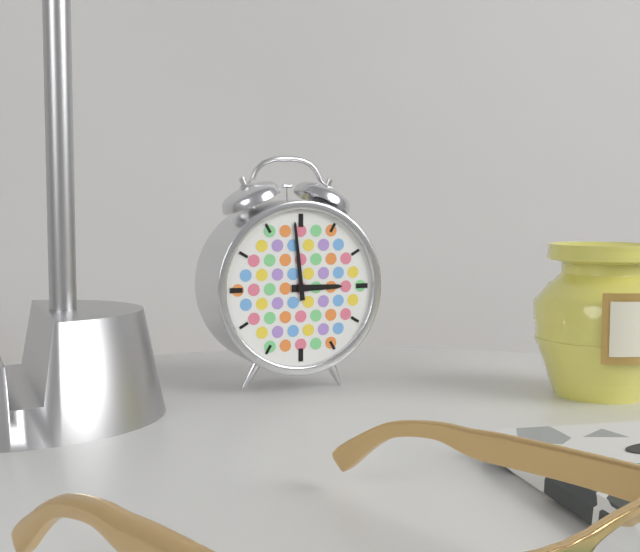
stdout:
{"hour": 2, "minute": 59}
